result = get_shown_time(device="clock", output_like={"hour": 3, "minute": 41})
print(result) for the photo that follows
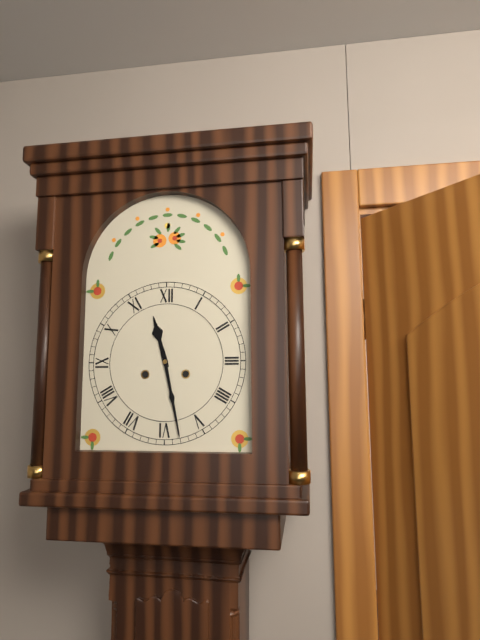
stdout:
{"hour": 11, "minute": 28}
